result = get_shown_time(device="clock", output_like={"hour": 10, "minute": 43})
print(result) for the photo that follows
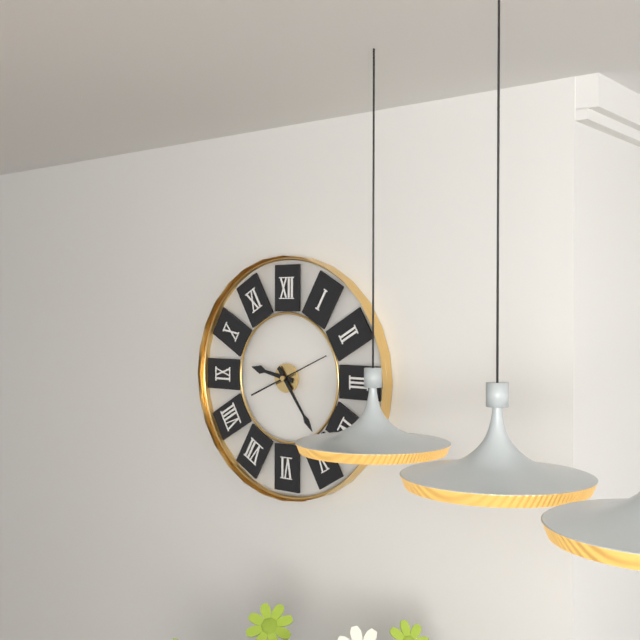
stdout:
{"hour": 9, "minute": 24}
